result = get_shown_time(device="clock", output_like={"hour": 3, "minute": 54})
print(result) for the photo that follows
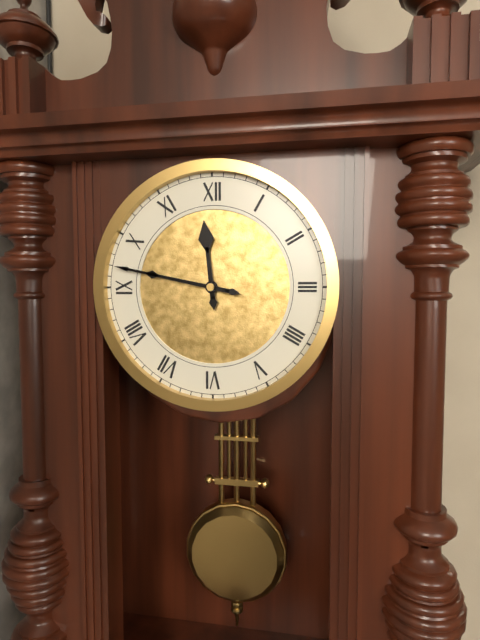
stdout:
{"hour": 11, "minute": 47}
